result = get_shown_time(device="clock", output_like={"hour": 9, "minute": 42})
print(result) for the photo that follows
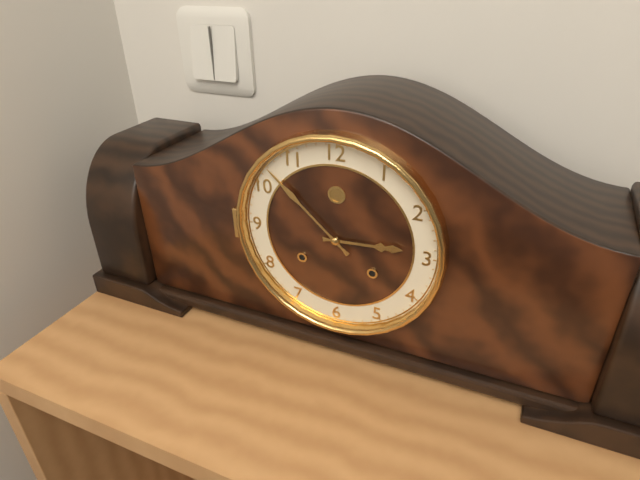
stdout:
{"hour": 2, "minute": 52}
